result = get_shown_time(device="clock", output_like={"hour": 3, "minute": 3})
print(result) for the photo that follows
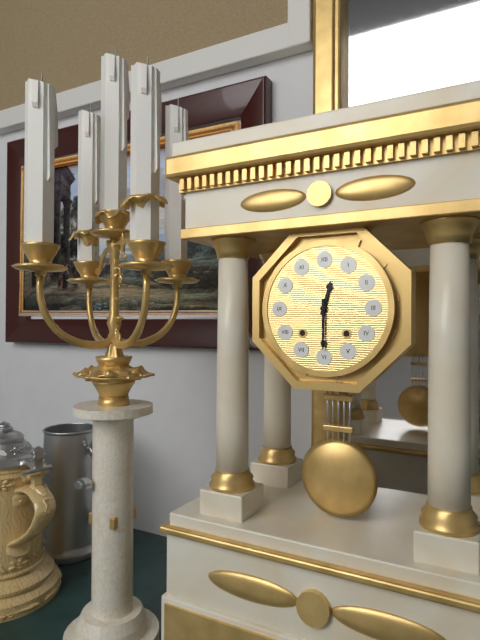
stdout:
{"hour": 12, "minute": 30}
